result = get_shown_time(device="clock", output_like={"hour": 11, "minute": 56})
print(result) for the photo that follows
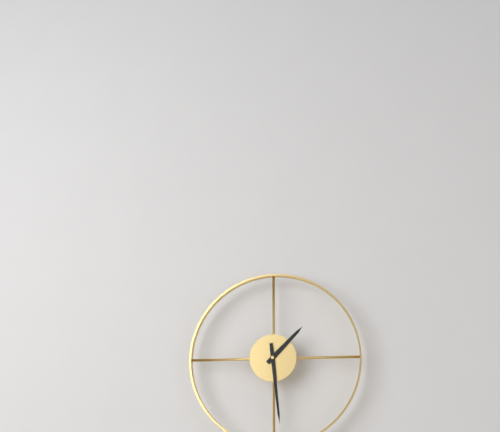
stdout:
{"hour": 1, "minute": 29}
